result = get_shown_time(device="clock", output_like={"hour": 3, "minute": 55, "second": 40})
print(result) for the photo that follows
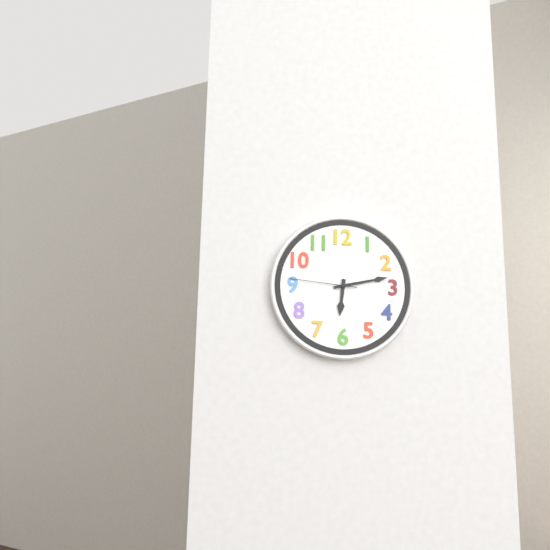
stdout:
{"hour": 6, "minute": 13, "second": 46}
